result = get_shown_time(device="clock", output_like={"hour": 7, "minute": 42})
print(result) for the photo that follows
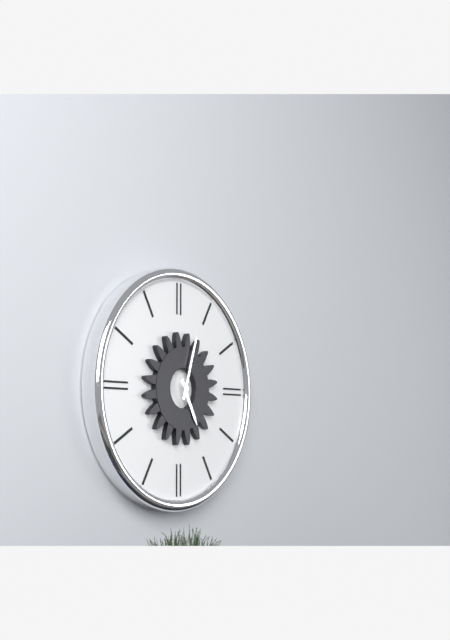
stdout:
{"hour": 5, "minute": 3}
